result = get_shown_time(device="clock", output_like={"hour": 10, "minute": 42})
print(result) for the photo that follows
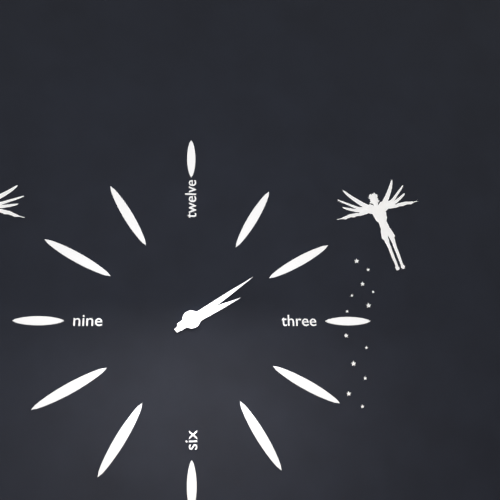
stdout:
{"hour": 2, "minute": 9}
